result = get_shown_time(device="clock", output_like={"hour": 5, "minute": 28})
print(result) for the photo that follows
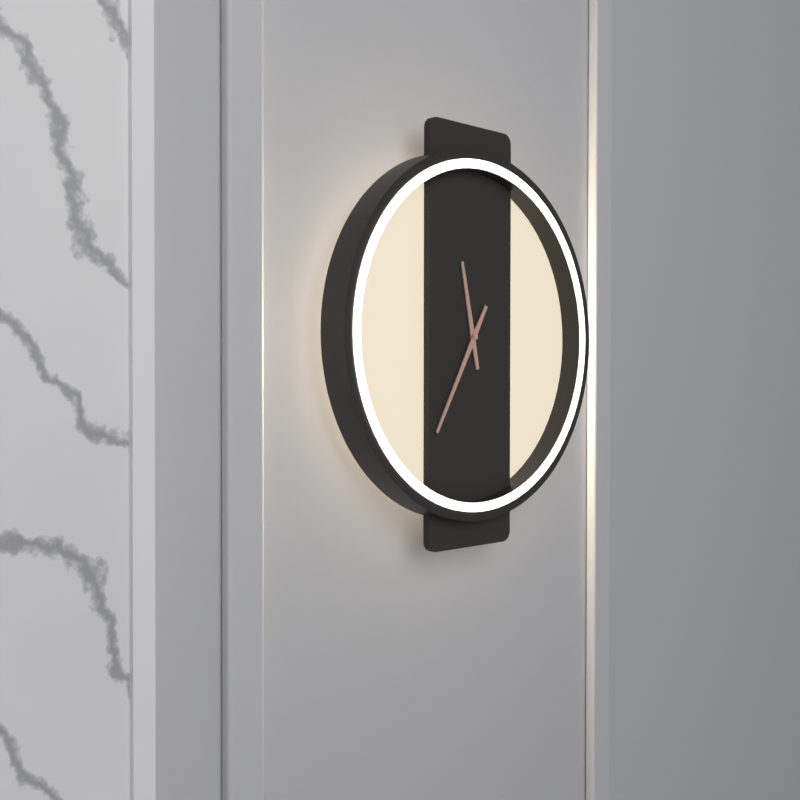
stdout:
{"hour": 11, "minute": 35}
